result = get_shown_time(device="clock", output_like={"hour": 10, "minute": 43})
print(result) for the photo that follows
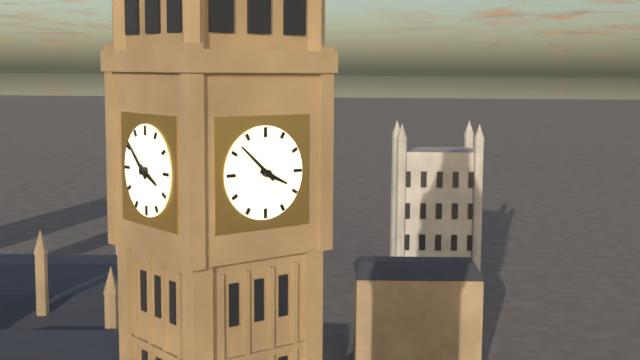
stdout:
{"hour": 3, "minute": 52}
